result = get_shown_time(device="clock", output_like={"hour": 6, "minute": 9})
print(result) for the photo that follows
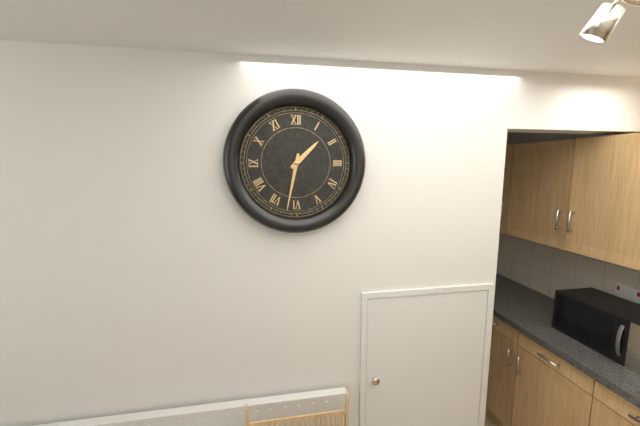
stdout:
{"hour": 1, "minute": 32}
